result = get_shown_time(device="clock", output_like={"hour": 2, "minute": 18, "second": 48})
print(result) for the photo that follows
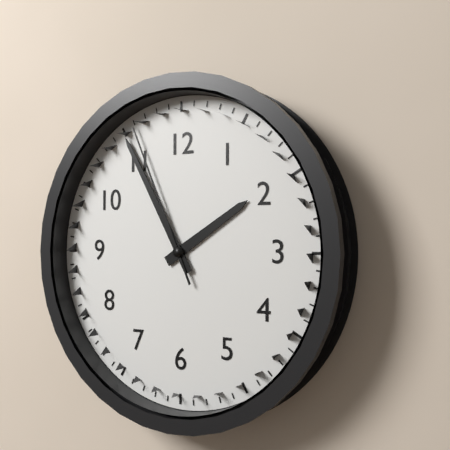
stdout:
{"hour": 1, "minute": 55, "second": 56}
